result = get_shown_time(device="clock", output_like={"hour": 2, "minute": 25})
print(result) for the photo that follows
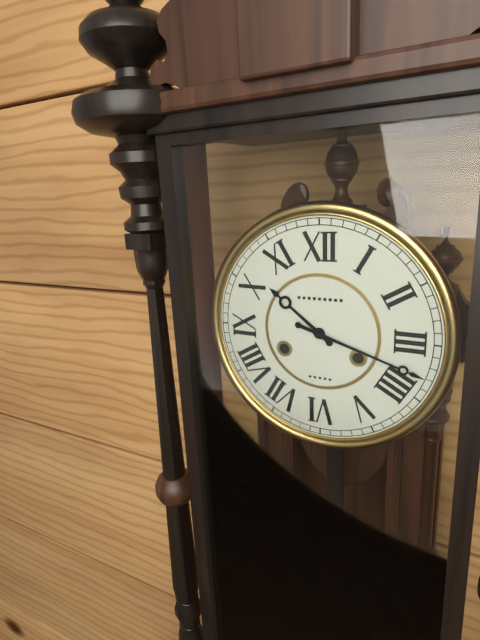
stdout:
{"hour": 10, "minute": 18}
